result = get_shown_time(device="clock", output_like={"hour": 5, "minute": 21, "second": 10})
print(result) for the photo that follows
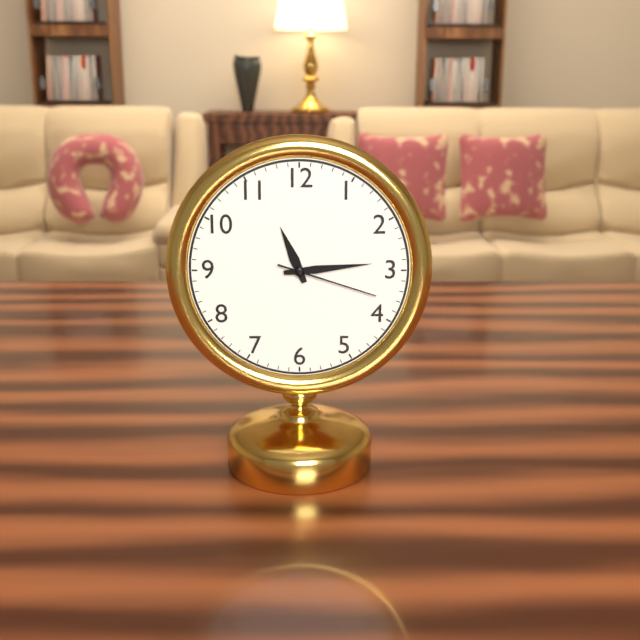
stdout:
{"hour": 11, "minute": 14, "second": 18}
